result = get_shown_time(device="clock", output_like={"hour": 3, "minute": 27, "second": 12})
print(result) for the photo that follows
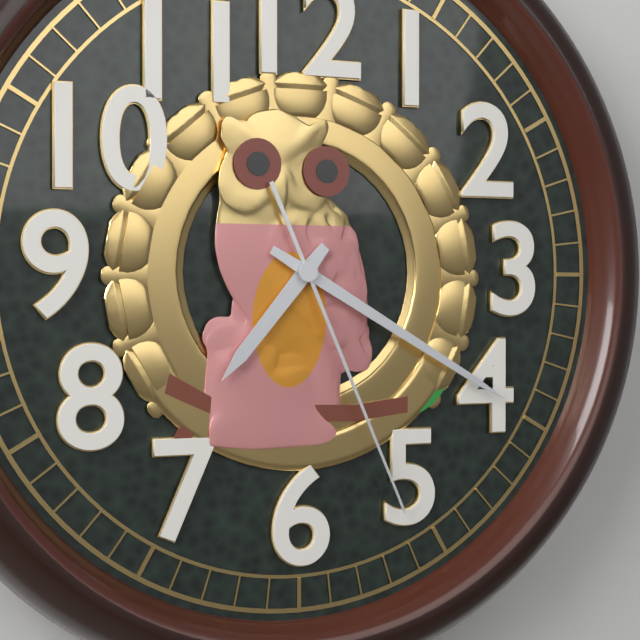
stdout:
{"hour": 7, "minute": 20, "second": 26}
